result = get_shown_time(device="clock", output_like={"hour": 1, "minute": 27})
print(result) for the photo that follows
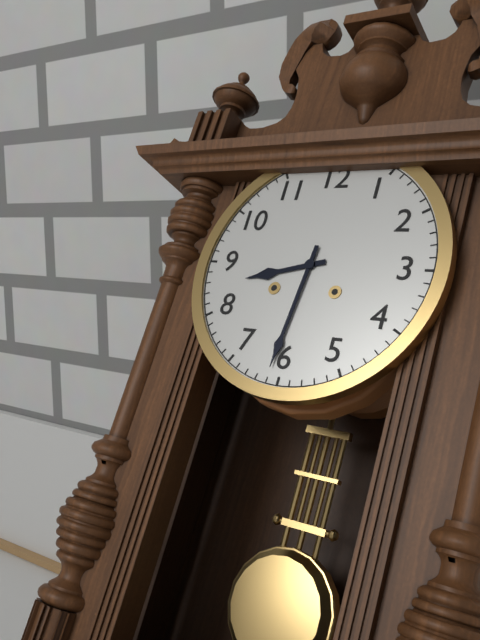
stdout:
{"hour": 8, "minute": 31}
